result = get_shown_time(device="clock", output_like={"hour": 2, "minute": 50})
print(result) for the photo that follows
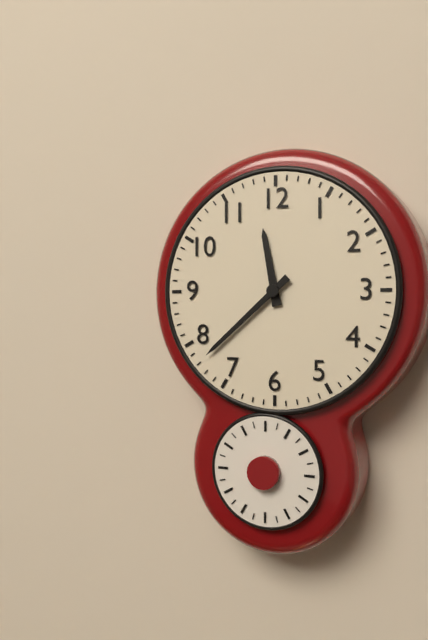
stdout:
{"hour": 11, "minute": 38}
